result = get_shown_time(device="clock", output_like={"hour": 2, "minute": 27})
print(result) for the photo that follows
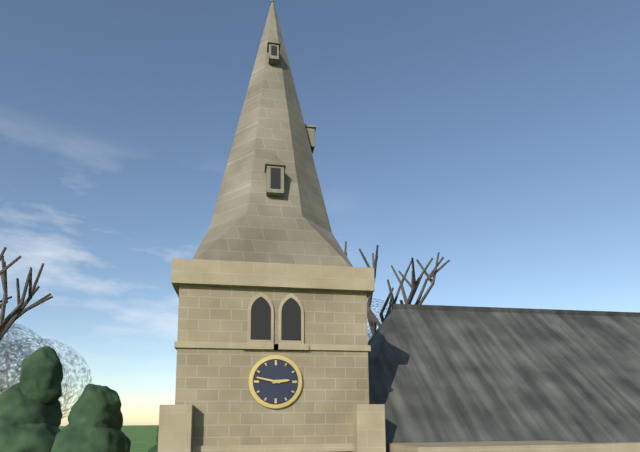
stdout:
{"hour": 2, "minute": 47}
